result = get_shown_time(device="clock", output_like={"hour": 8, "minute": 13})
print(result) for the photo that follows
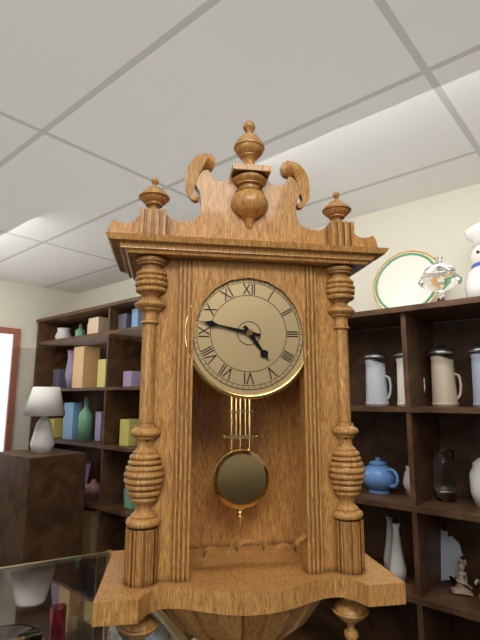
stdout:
{"hour": 4, "minute": 47}
